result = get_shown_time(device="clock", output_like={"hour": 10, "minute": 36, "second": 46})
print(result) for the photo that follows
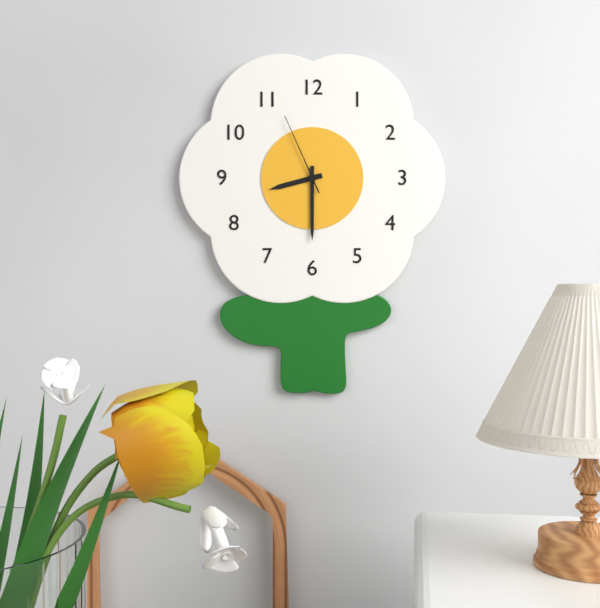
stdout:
{"hour": 8, "minute": 30, "second": 56}
